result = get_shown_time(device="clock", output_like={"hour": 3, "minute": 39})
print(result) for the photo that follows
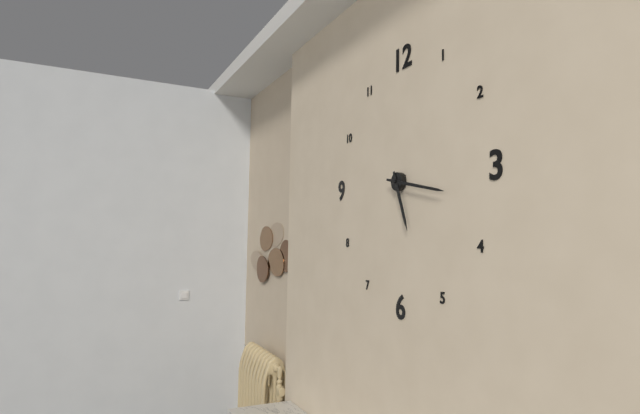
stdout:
{"hour": 5, "minute": 17}
